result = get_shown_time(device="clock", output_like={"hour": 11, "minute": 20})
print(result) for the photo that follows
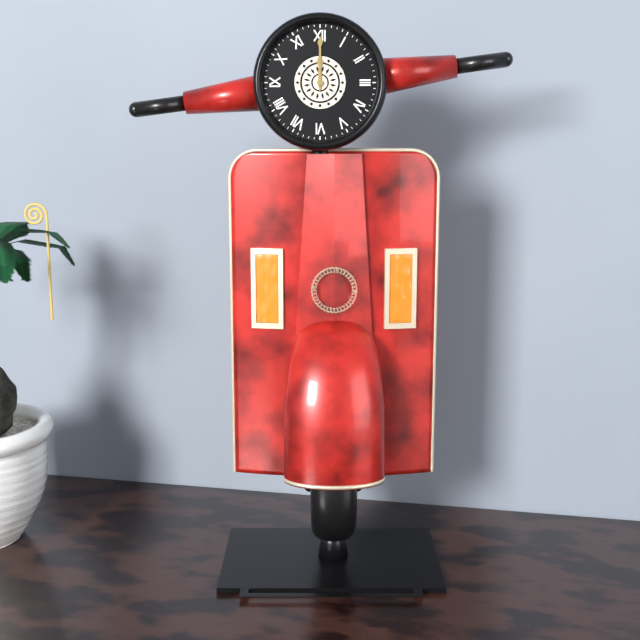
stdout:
{"hour": 12, "minute": 0}
